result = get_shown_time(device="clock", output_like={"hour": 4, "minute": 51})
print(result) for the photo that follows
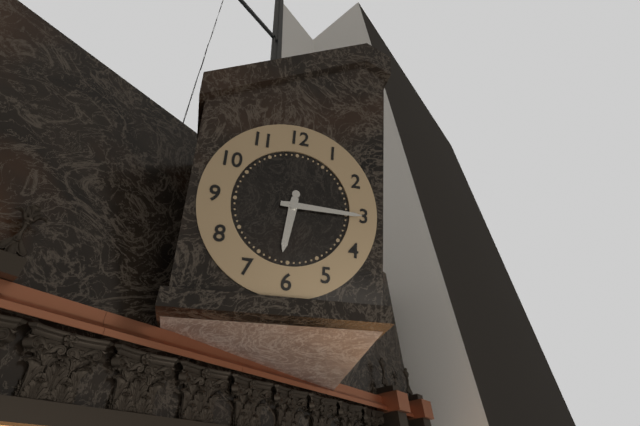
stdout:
{"hour": 6, "minute": 15}
